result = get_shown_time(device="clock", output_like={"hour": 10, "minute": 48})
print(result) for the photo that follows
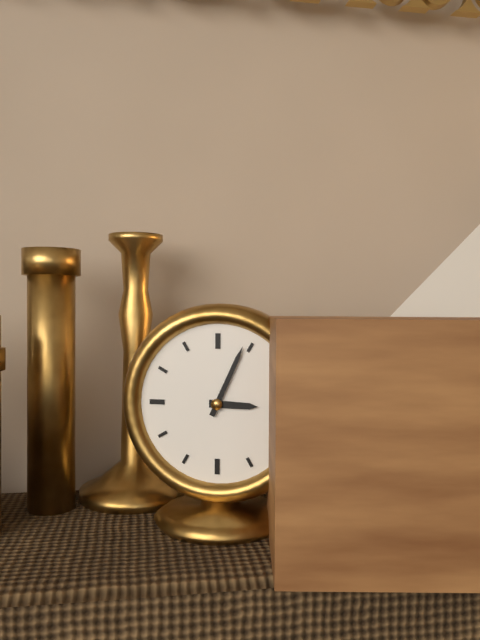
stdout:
{"hour": 3, "minute": 4}
